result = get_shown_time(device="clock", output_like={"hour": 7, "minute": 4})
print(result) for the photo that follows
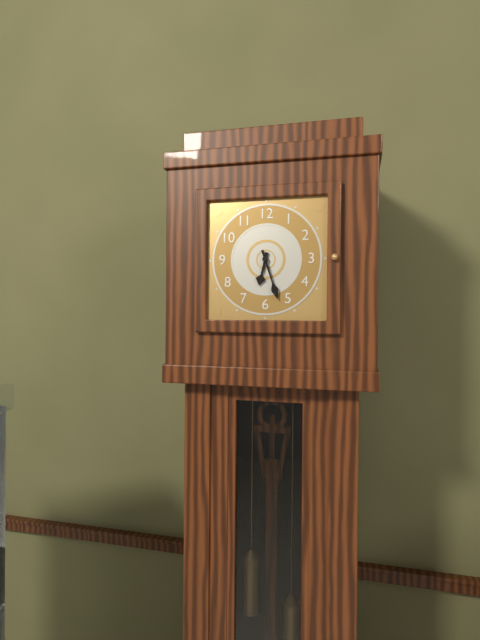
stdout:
{"hour": 6, "minute": 27}
